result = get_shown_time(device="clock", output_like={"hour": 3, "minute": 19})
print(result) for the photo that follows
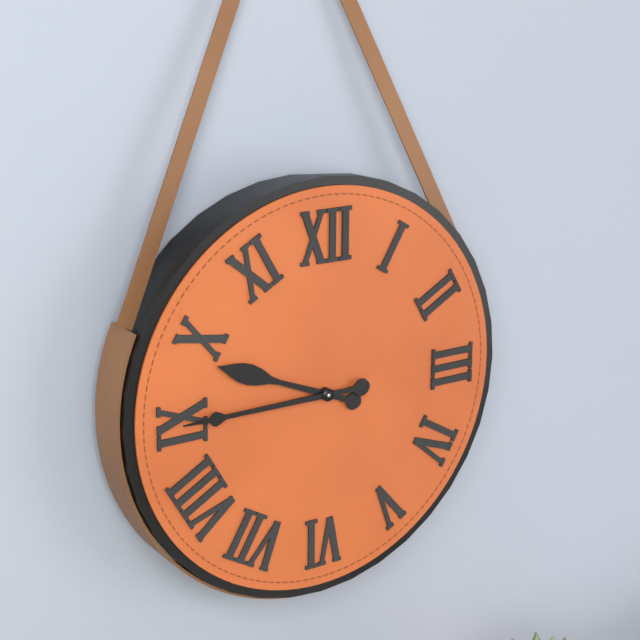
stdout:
{"hour": 9, "minute": 45}
